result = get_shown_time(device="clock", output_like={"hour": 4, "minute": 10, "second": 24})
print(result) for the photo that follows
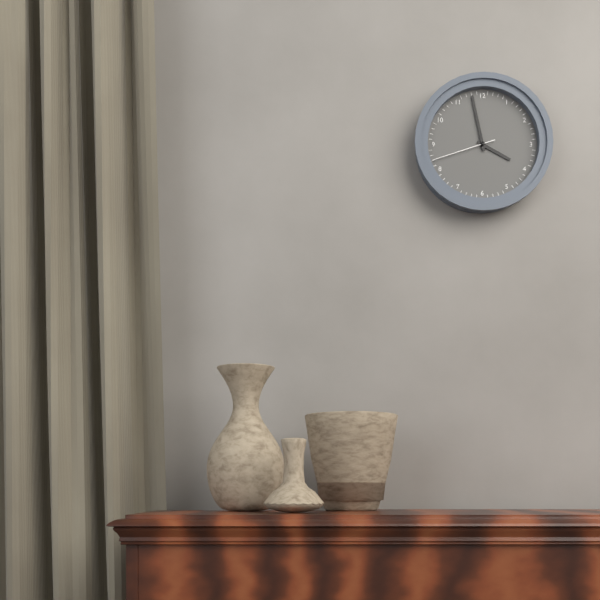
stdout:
{"hour": 3, "minute": 58, "second": 42}
